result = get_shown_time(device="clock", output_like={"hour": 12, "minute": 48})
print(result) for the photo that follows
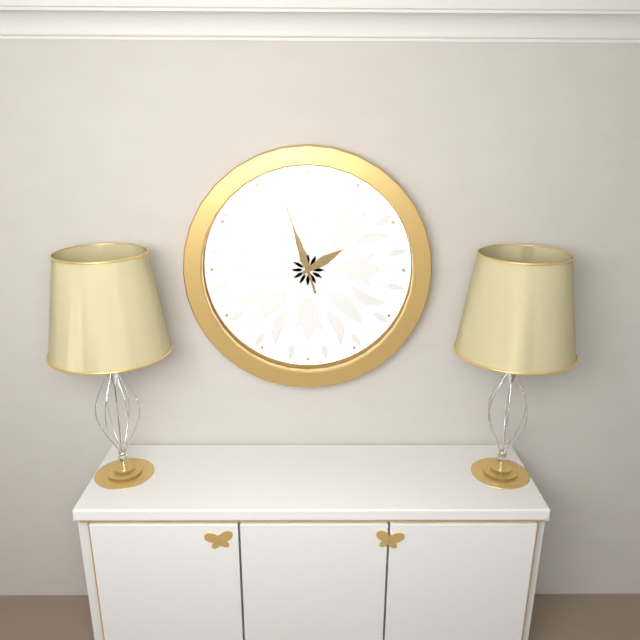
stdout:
{"hour": 1, "minute": 57}
